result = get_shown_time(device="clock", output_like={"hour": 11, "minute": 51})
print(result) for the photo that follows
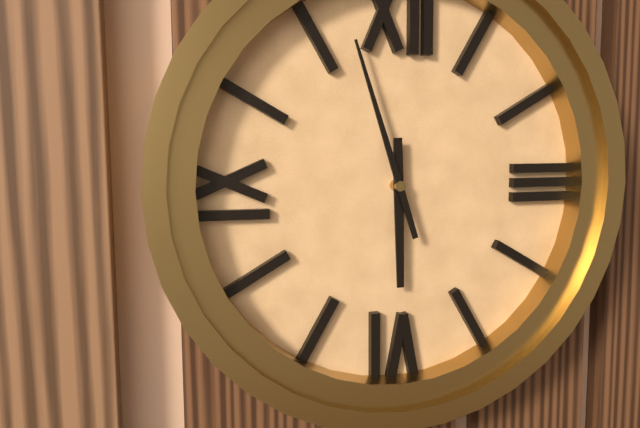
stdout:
{"hour": 5, "minute": 57}
